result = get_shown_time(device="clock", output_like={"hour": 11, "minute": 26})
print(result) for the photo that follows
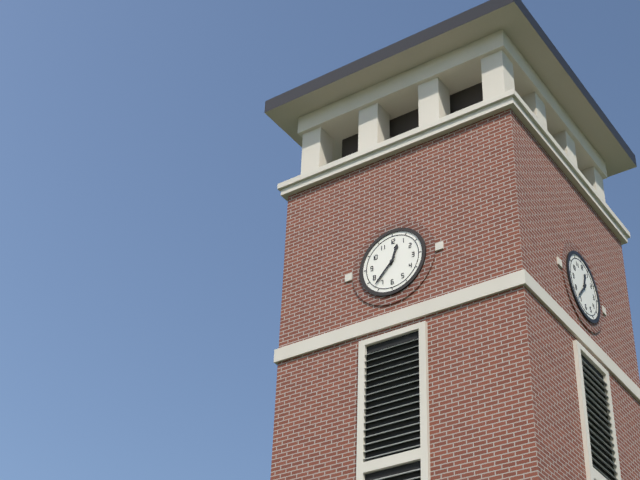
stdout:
{"hour": 12, "minute": 37}
